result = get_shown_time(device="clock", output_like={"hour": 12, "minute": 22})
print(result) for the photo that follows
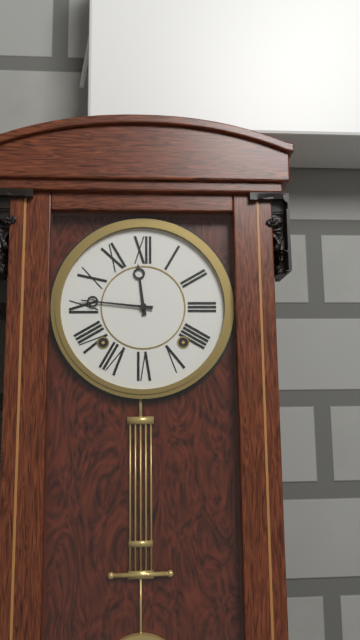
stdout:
{"hour": 11, "minute": 46}
